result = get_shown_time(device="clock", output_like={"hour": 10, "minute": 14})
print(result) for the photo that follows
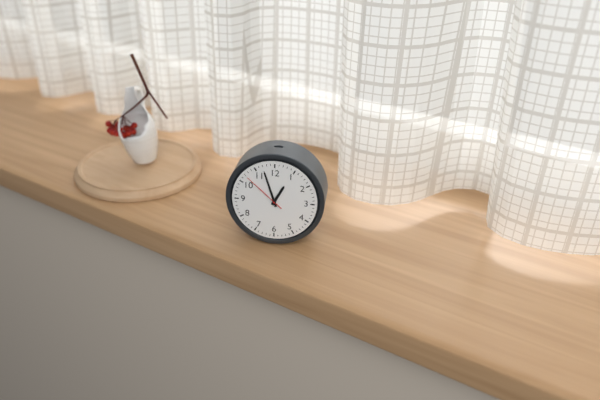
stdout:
{"hour": 12, "minute": 57}
